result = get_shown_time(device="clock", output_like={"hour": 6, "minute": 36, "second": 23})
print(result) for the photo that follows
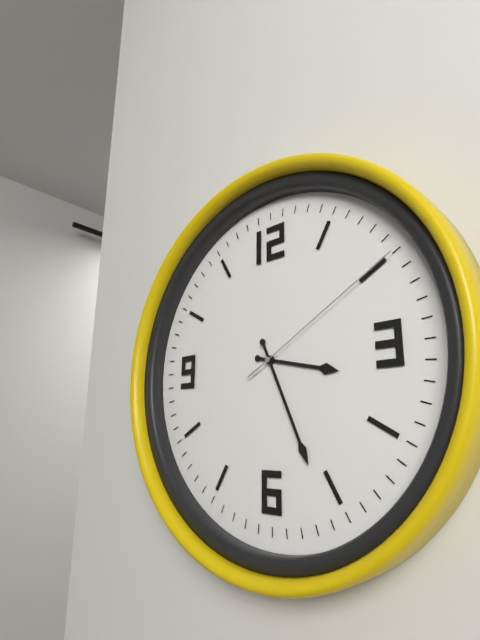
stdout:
{"hour": 3, "minute": 26, "second": 10}
